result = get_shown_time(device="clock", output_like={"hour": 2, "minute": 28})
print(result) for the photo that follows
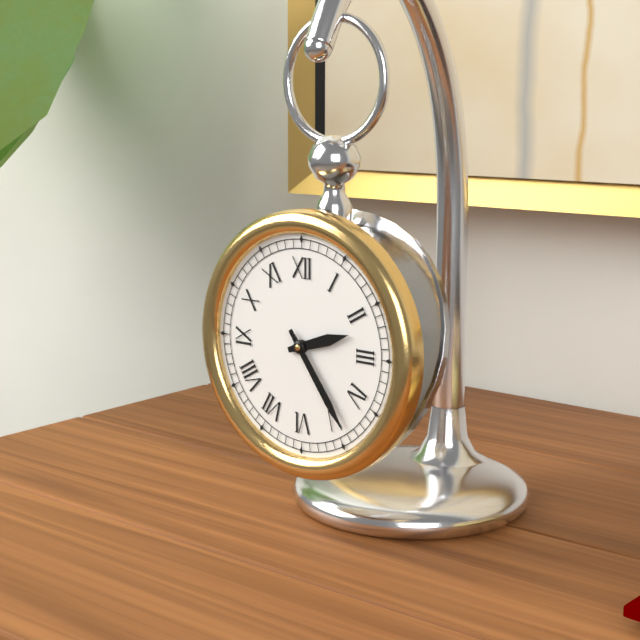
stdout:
{"hour": 2, "minute": 24}
